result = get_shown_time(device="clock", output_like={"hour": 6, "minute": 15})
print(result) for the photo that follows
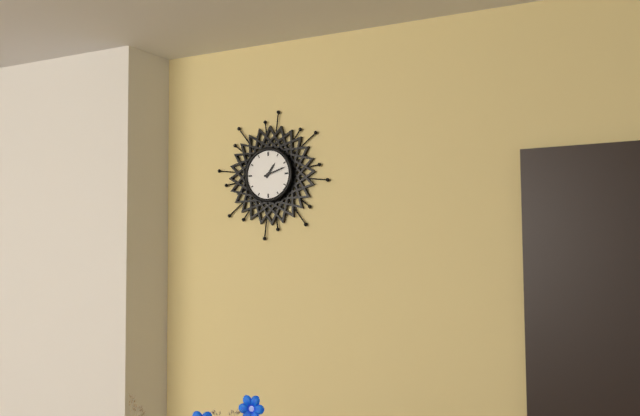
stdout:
{"hour": 1, "minute": 12}
